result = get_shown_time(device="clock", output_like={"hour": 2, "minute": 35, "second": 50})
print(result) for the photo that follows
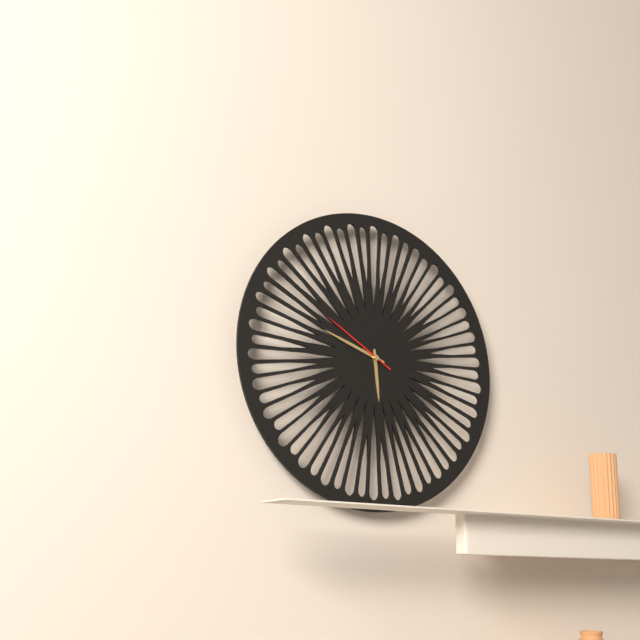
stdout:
{"hour": 5, "minute": 48, "second": 50}
